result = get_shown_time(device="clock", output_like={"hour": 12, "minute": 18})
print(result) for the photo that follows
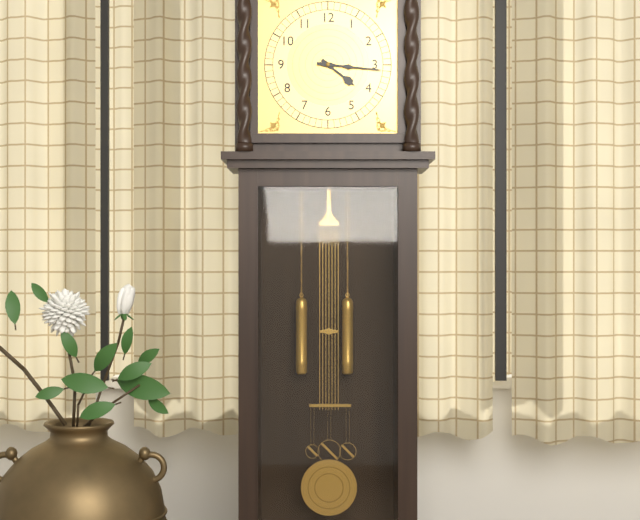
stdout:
{"hour": 4, "minute": 16}
